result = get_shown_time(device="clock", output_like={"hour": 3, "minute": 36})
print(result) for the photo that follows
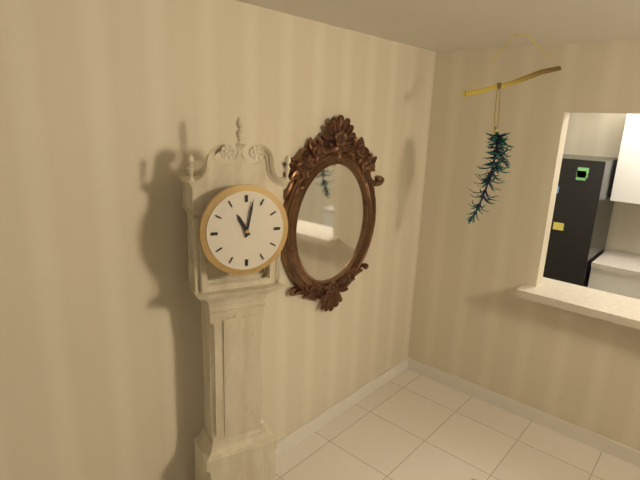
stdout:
{"hour": 11, "minute": 2}
